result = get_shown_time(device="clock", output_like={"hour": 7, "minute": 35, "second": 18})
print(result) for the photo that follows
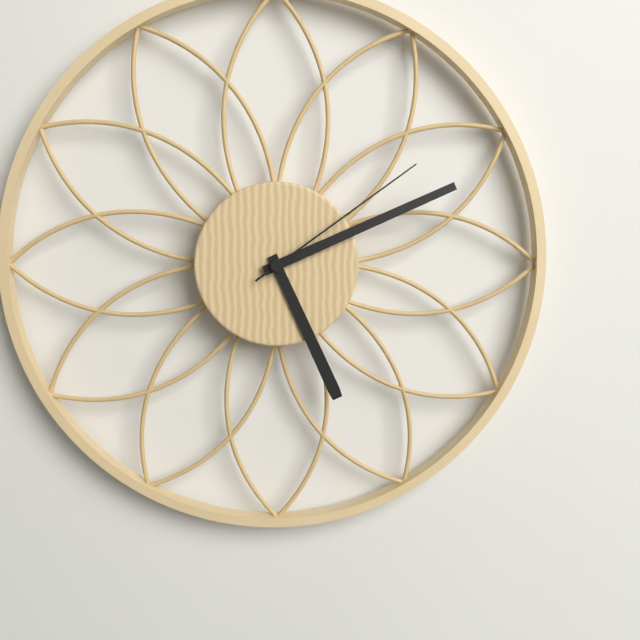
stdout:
{"hour": 5, "minute": 11, "second": 9}
